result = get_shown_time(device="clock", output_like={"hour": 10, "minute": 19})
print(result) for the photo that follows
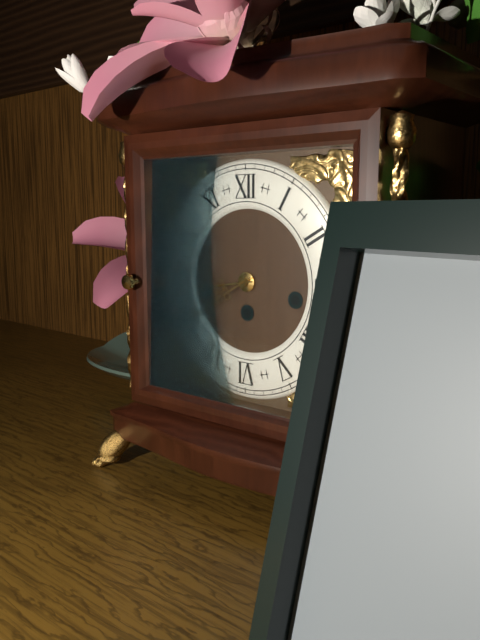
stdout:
{"hour": 8, "minute": 40}
